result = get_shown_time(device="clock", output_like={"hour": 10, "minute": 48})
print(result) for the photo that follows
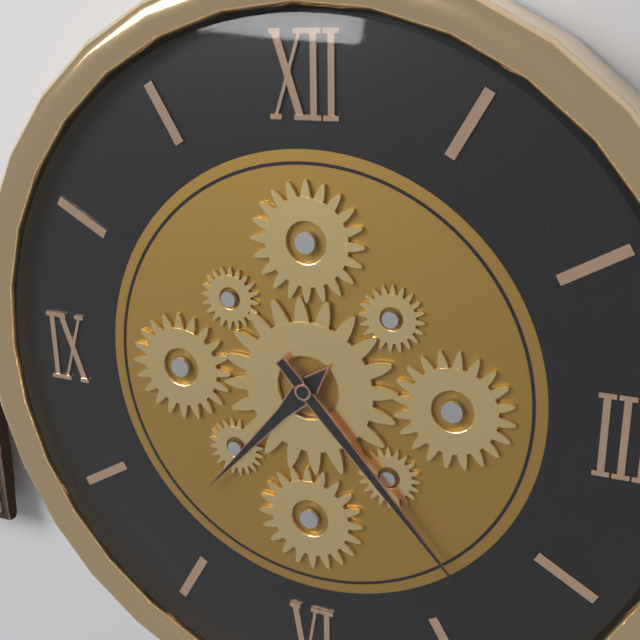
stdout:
{"hour": 7, "minute": 23}
